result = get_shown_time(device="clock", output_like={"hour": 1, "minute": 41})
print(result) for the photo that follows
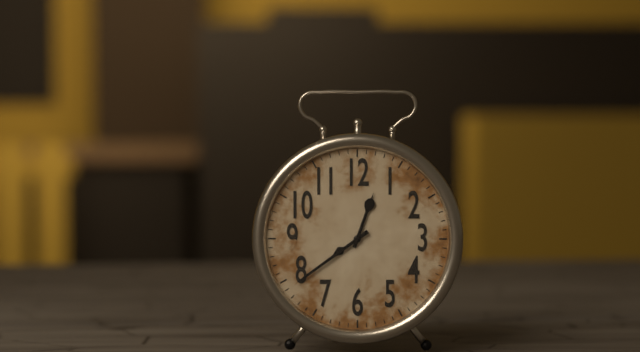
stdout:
{"hour": 12, "minute": 39}
